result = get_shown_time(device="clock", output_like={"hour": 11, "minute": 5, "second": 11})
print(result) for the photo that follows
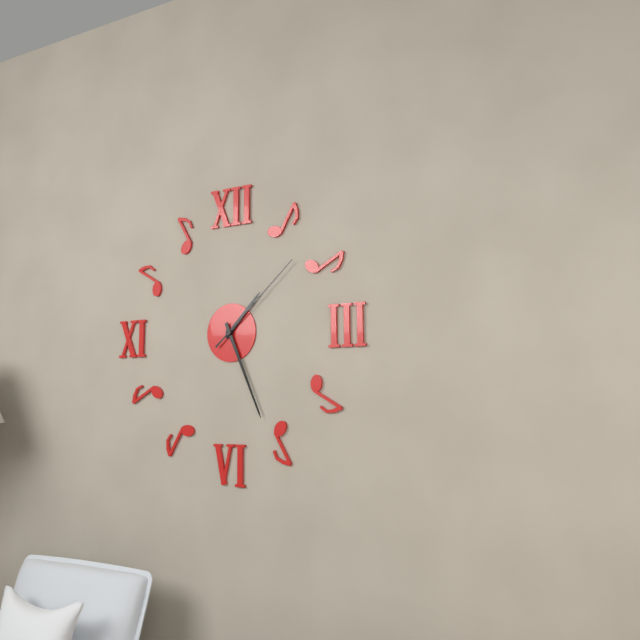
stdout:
{"hour": 1, "minute": 26, "second": 8}
